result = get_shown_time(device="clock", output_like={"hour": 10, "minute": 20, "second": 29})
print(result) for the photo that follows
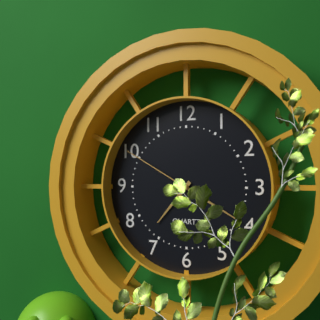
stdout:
{"hour": 7, "minute": 20, "second": 50}
